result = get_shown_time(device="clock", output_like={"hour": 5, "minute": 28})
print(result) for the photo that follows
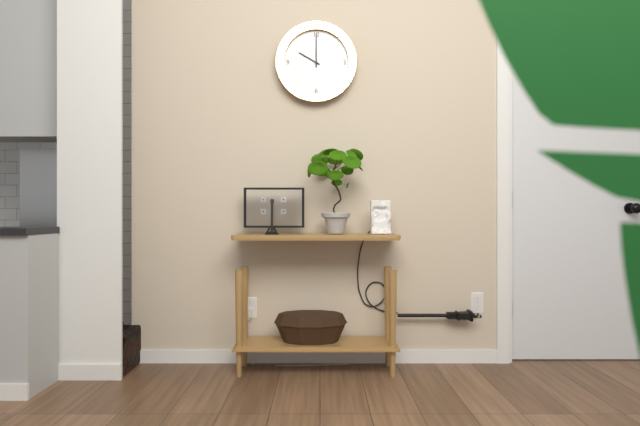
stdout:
{"hour": 10, "minute": 0}
